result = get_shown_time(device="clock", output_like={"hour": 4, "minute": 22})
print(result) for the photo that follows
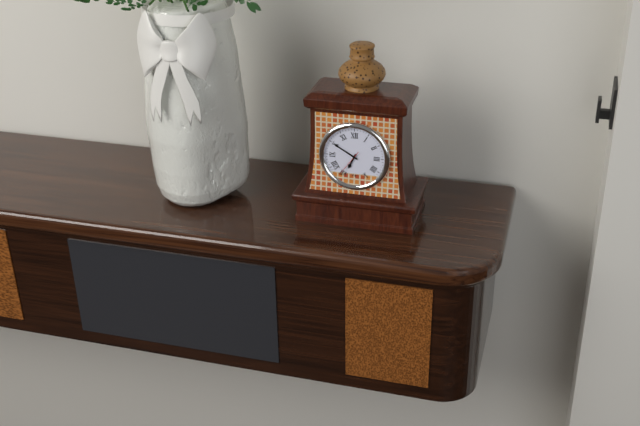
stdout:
{"hour": 6, "minute": 50}
